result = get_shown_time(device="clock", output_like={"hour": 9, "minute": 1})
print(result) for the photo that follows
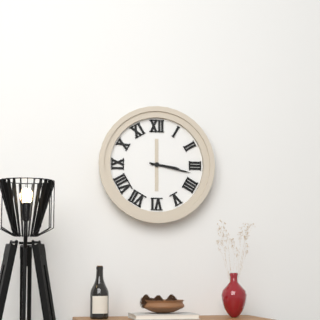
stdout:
{"hour": 3, "minute": 17}
